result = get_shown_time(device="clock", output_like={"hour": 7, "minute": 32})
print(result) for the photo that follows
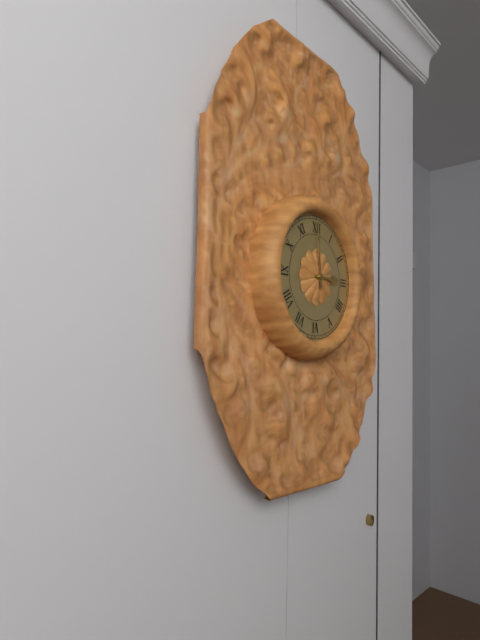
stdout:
{"hour": 2, "minute": 59}
